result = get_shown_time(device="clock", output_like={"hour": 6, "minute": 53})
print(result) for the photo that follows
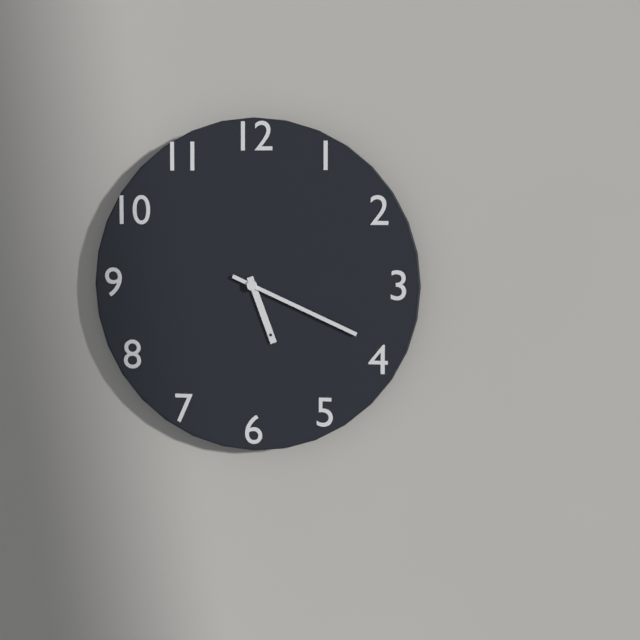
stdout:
{"hour": 5, "minute": 19}
